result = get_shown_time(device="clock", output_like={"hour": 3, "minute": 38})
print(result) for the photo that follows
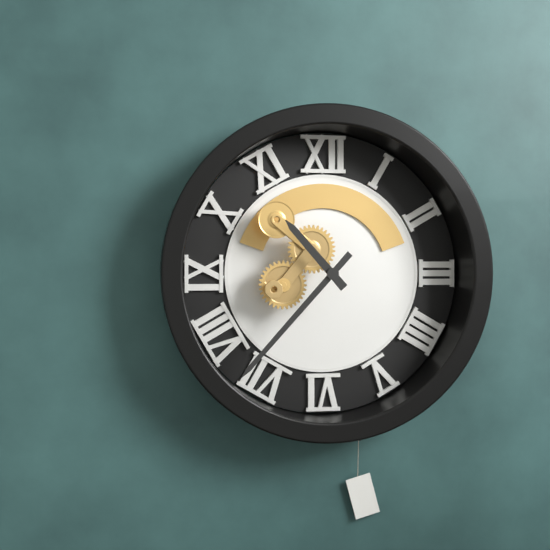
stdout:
{"hour": 10, "minute": 37}
